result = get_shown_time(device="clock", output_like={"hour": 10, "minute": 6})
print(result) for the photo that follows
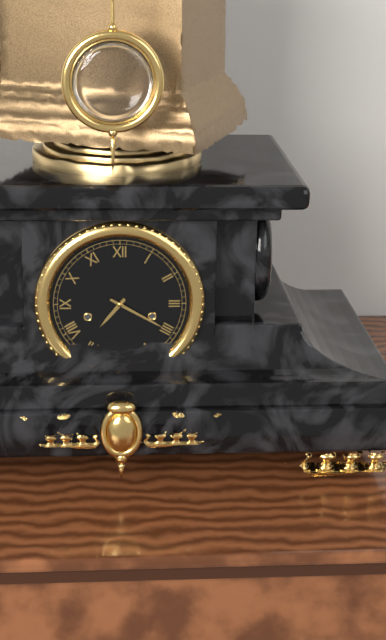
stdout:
{"hour": 7, "minute": 20}
